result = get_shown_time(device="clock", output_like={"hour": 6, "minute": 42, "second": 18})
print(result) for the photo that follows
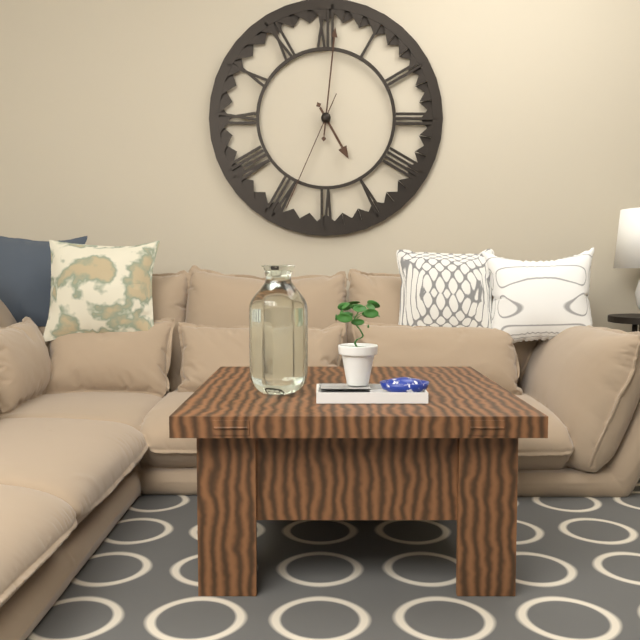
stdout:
{"hour": 5, "minute": 1, "second": 34}
